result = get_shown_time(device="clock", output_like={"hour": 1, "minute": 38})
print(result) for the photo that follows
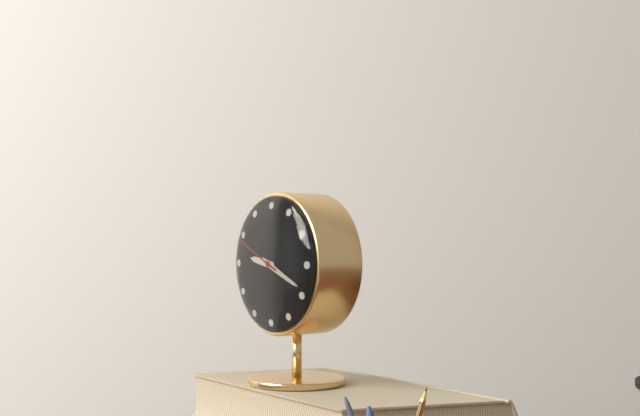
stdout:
{"hour": 9, "minute": 19}
